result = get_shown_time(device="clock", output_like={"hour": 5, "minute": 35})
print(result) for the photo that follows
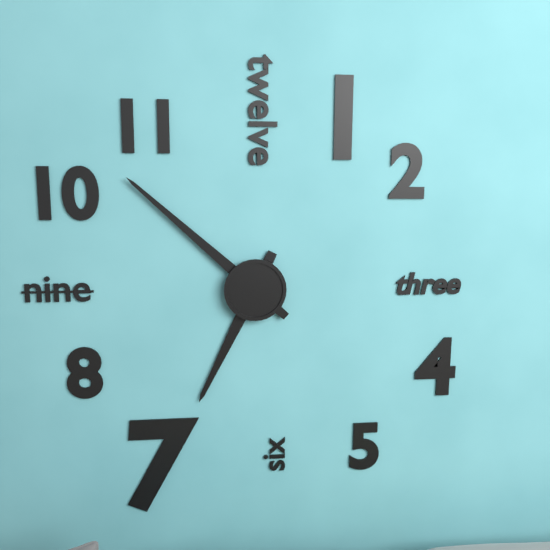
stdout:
{"hour": 6, "minute": 52}
